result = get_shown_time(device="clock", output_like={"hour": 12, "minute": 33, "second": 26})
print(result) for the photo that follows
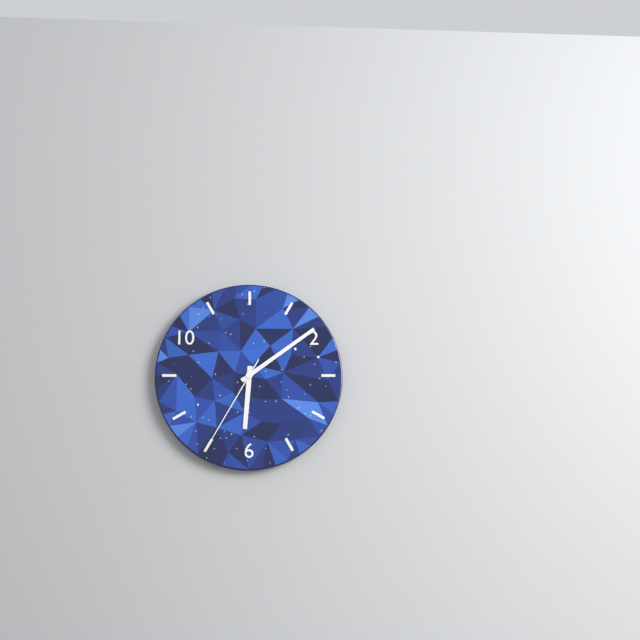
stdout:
{"hour": 6, "minute": 9, "second": 35}
